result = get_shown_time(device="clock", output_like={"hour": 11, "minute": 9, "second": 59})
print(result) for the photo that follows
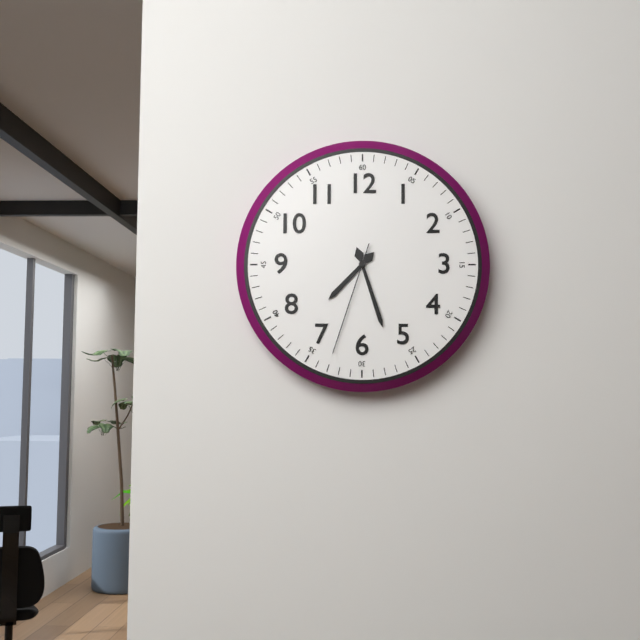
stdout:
{"hour": 7, "minute": 27, "second": 33}
